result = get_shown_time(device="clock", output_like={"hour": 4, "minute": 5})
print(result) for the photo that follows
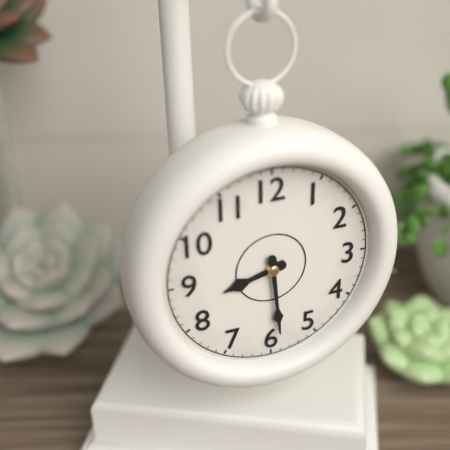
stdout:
{"hour": 8, "minute": 29}
